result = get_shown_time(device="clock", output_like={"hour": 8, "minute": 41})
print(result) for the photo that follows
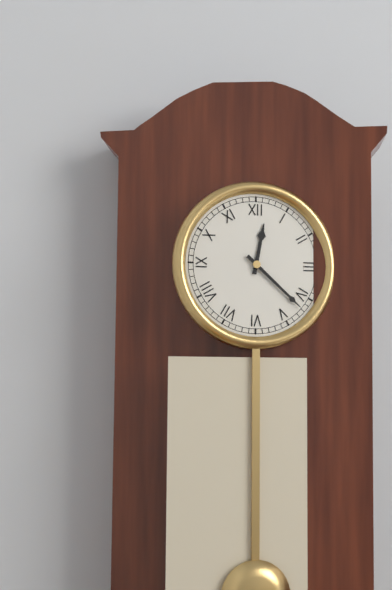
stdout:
{"hour": 12, "minute": 22}
